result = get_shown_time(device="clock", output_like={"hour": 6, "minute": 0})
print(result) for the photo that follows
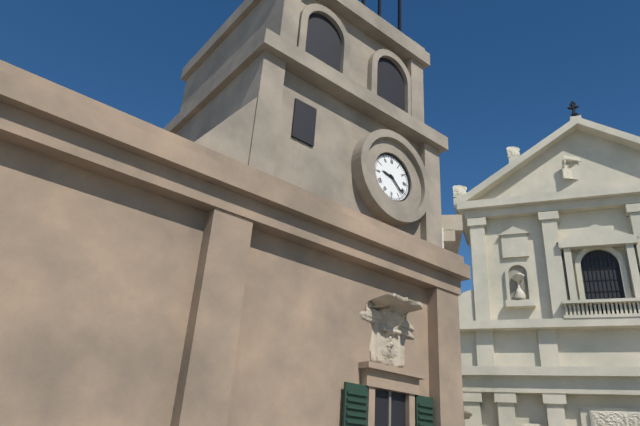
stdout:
{"hour": 9, "minute": 22}
